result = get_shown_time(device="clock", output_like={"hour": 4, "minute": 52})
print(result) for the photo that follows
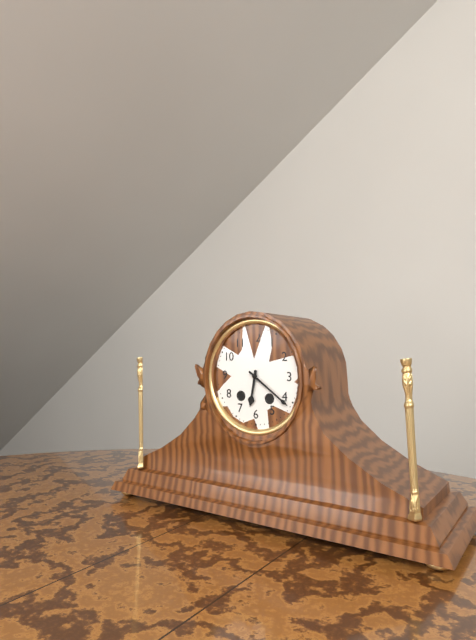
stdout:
{"hour": 6, "minute": 21}
